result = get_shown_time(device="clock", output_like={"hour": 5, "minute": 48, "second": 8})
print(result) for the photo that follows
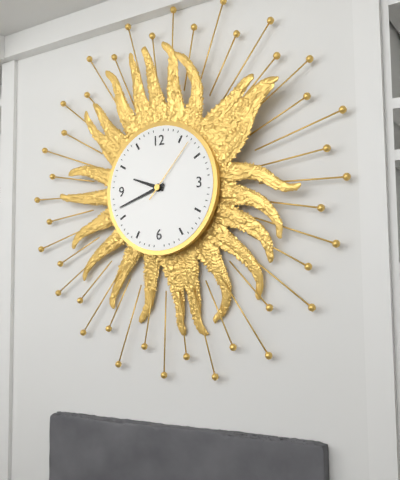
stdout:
{"hour": 9, "minute": 42, "second": 7}
